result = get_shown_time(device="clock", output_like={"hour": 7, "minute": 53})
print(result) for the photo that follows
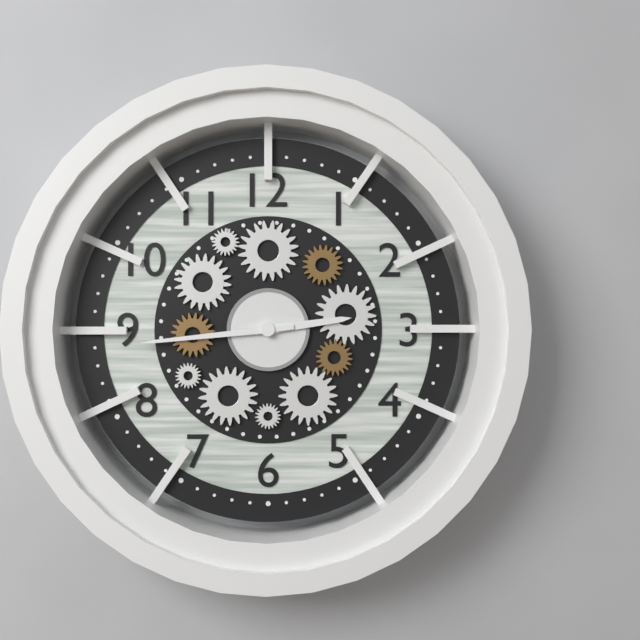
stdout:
{"hour": 2, "minute": 44}
